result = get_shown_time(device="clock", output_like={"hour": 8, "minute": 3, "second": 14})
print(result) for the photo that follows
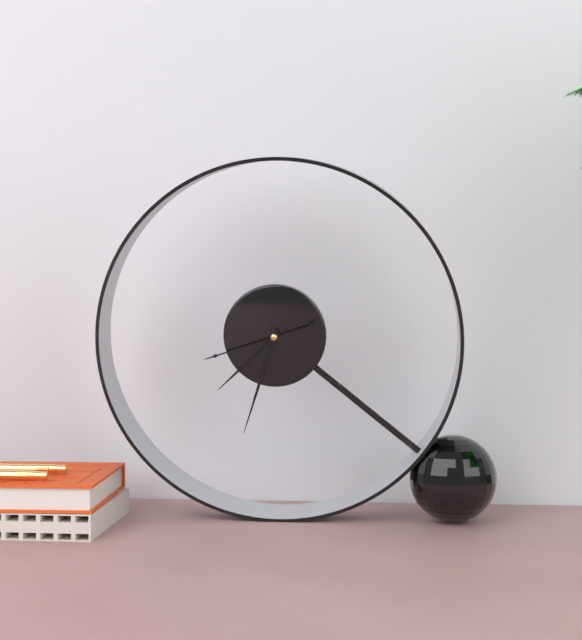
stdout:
{"hour": 7, "minute": 33, "second": 42}
